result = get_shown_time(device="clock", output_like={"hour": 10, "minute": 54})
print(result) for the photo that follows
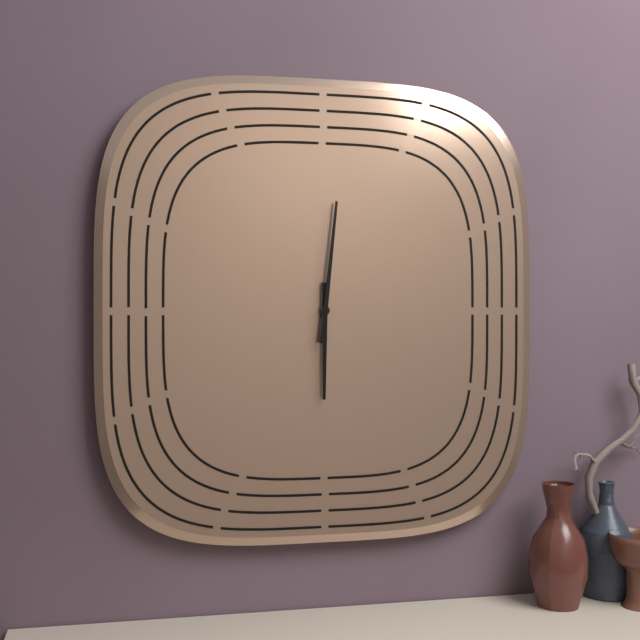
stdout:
{"hour": 6, "minute": 1}
